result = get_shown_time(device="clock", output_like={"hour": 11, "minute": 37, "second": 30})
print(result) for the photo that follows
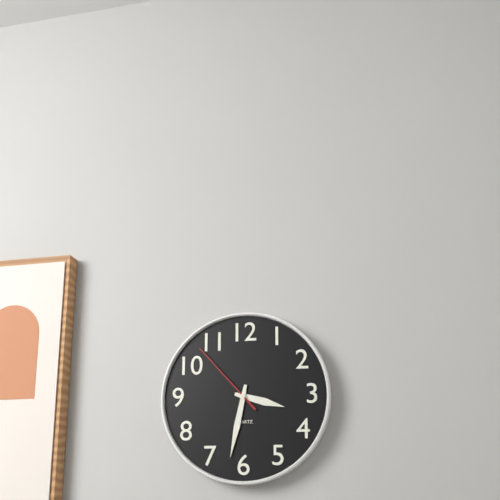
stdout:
{"hour": 3, "minute": 32, "second": 53}
